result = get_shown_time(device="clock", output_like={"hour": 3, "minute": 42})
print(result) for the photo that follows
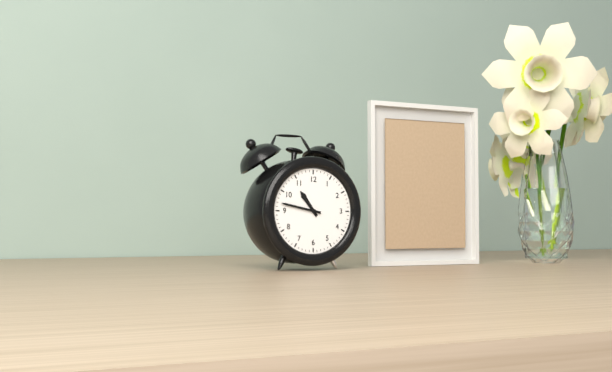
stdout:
{"hour": 10, "minute": 47}
